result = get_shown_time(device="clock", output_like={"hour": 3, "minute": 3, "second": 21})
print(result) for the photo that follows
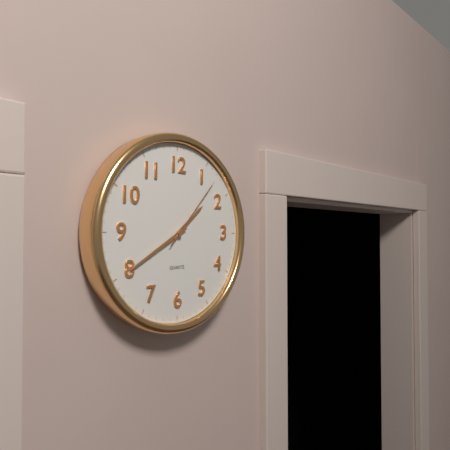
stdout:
{"hour": 1, "minute": 40, "second": 7}
